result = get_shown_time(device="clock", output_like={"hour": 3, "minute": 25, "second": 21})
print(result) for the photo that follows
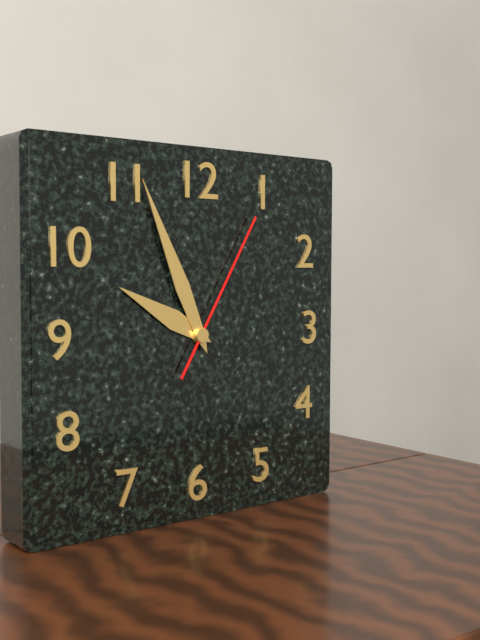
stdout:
{"hour": 9, "minute": 56, "second": 5}
